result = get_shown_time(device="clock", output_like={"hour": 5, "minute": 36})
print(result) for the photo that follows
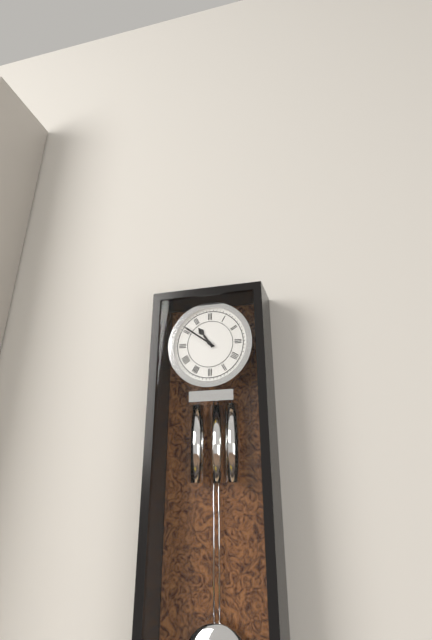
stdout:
{"hour": 10, "minute": 51}
